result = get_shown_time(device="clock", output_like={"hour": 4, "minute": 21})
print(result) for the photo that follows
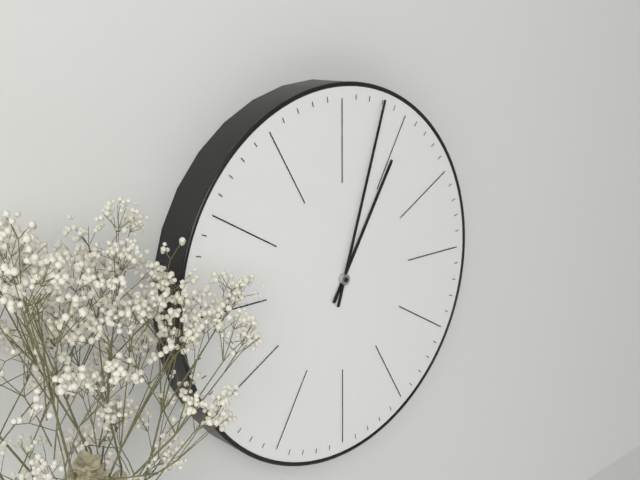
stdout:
{"hour": 1, "minute": 3}
